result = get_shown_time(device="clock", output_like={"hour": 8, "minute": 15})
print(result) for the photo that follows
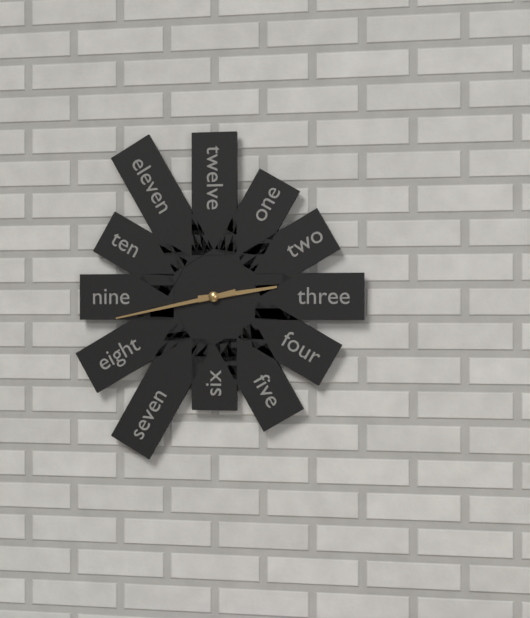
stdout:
{"hour": 2, "minute": 43}
